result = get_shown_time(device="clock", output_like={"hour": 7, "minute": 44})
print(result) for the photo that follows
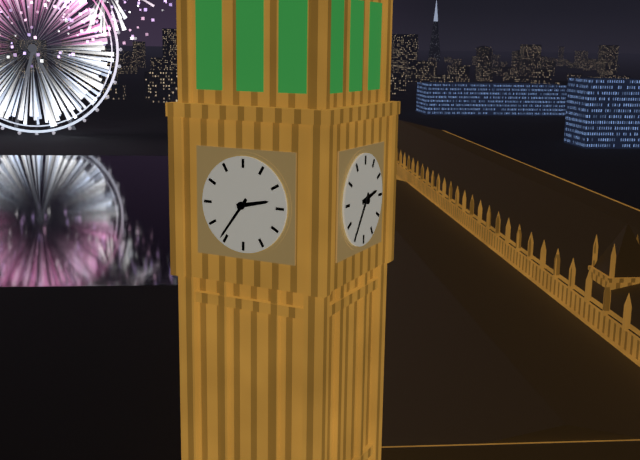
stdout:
{"hour": 2, "minute": 36}
